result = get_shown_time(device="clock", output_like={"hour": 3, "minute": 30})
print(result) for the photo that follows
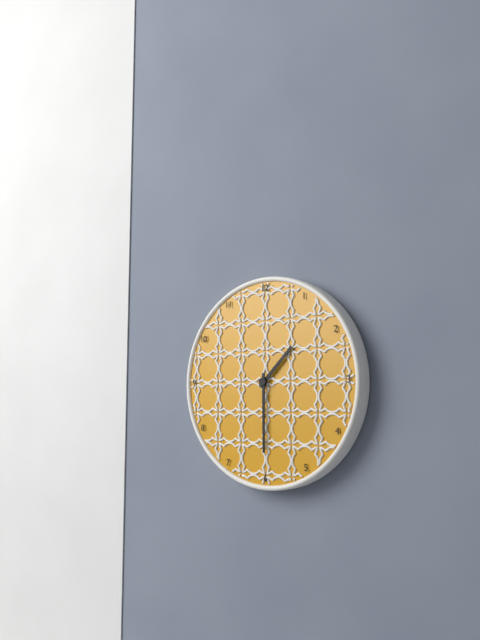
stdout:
{"hour": 1, "minute": 30}
